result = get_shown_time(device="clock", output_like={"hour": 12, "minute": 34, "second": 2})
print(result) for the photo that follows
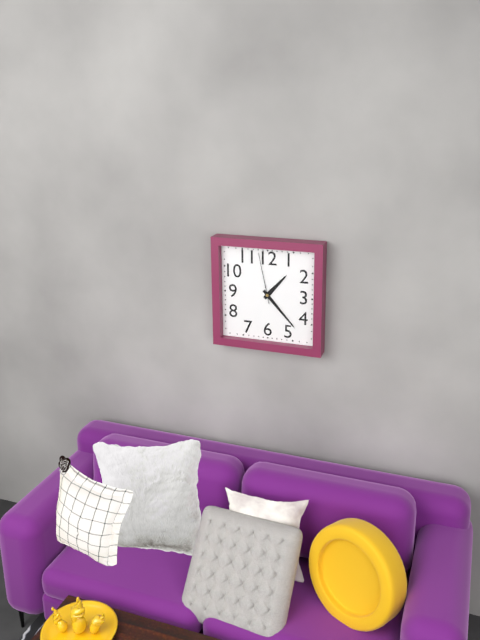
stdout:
{"hour": 1, "minute": 23, "second": 58}
